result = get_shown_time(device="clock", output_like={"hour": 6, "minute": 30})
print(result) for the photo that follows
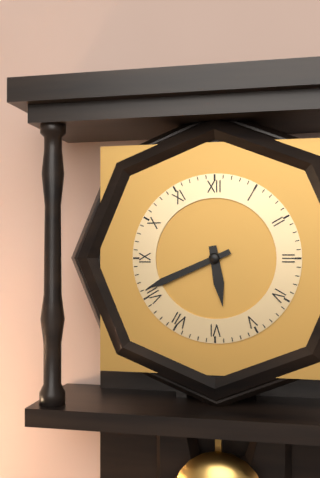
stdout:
{"hour": 5, "minute": 41}
